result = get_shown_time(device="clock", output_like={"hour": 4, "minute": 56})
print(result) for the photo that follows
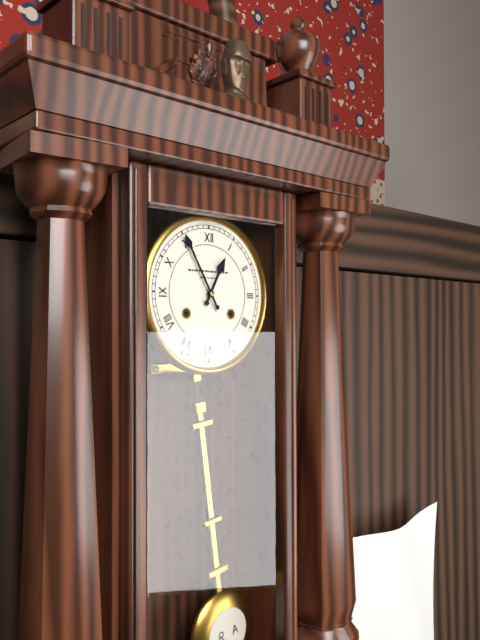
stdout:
{"hour": 12, "minute": 55}
